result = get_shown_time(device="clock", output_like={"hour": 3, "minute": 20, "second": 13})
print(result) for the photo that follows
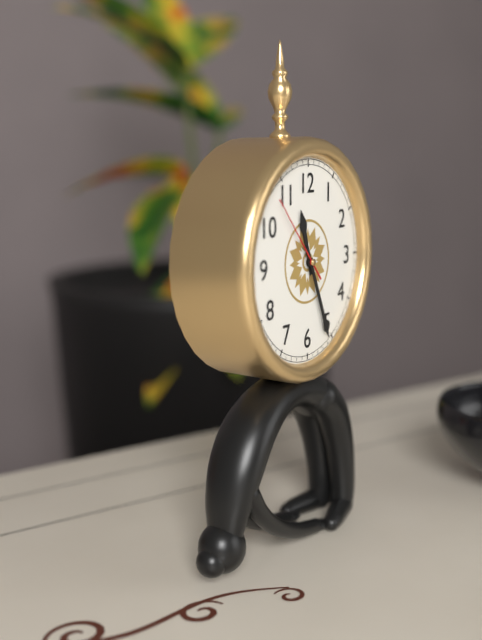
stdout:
{"hour": 11, "minute": 26, "second": 53}
